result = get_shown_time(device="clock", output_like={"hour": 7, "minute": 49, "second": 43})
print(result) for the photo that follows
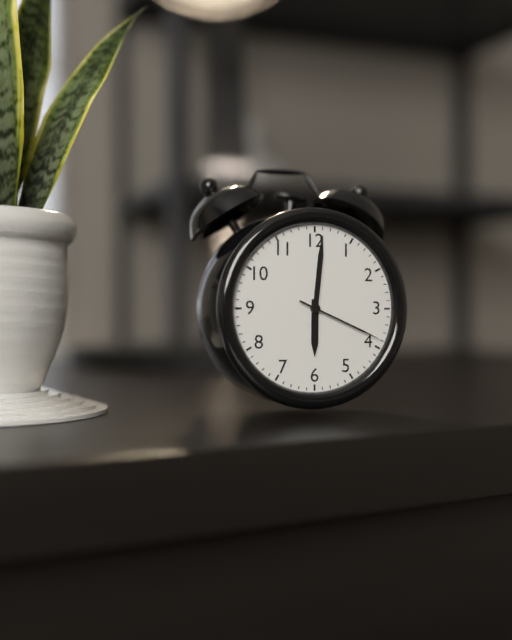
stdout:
{"hour": 6, "minute": 1, "second": 19}
